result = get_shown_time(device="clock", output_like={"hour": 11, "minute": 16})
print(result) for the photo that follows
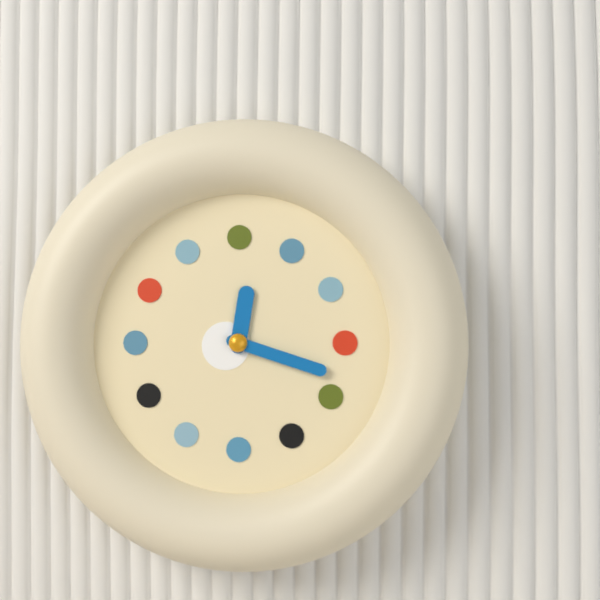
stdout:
{"hour": 12, "minute": 18}
